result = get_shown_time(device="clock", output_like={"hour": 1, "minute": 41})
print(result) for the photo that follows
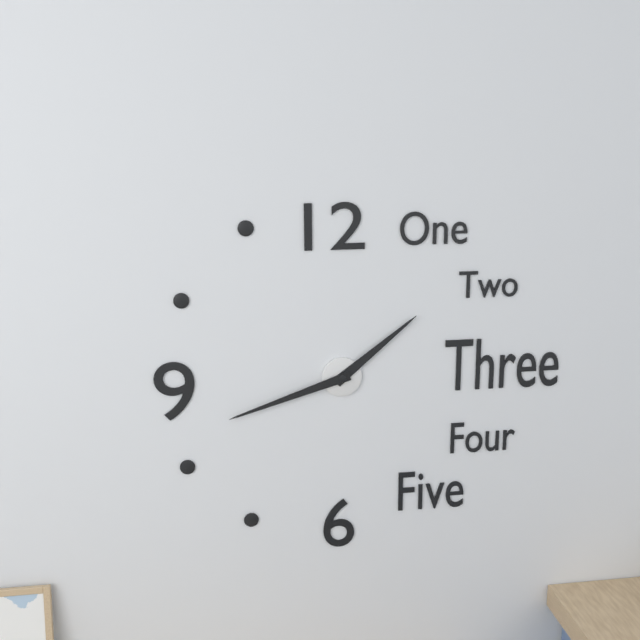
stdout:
{"hour": 1, "minute": 42}
